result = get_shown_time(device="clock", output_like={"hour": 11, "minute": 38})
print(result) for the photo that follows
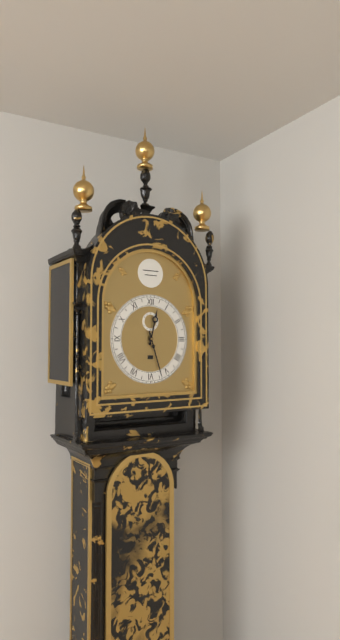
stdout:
{"hour": 12, "minute": 27}
